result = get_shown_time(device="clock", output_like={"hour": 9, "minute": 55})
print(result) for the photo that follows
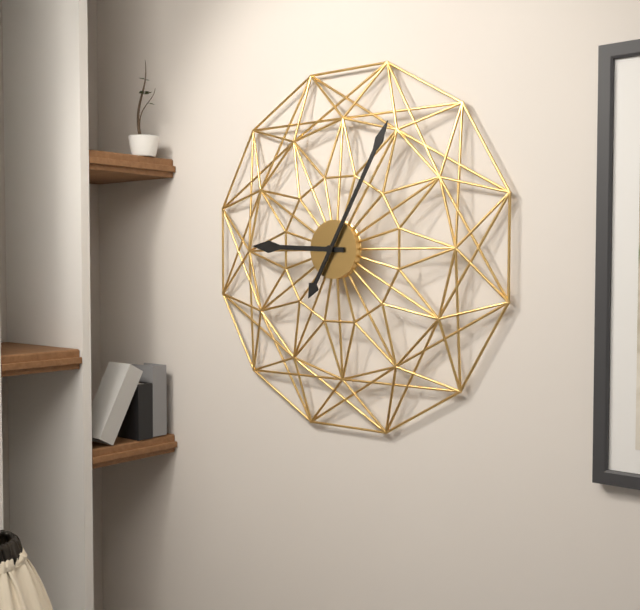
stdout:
{"hour": 9, "minute": 5}
